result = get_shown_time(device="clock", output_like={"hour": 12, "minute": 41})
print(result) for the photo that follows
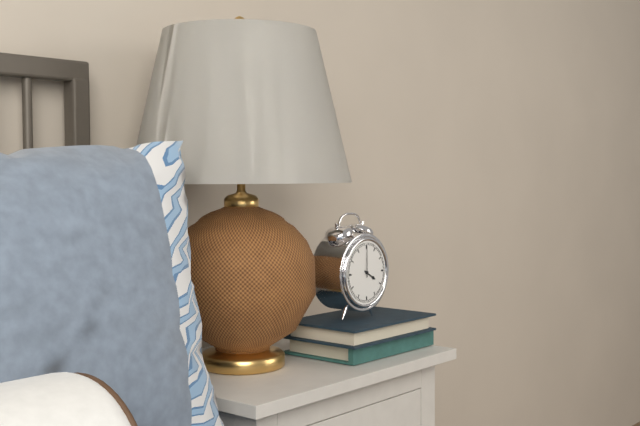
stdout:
{"hour": 4, "minute": 0}
